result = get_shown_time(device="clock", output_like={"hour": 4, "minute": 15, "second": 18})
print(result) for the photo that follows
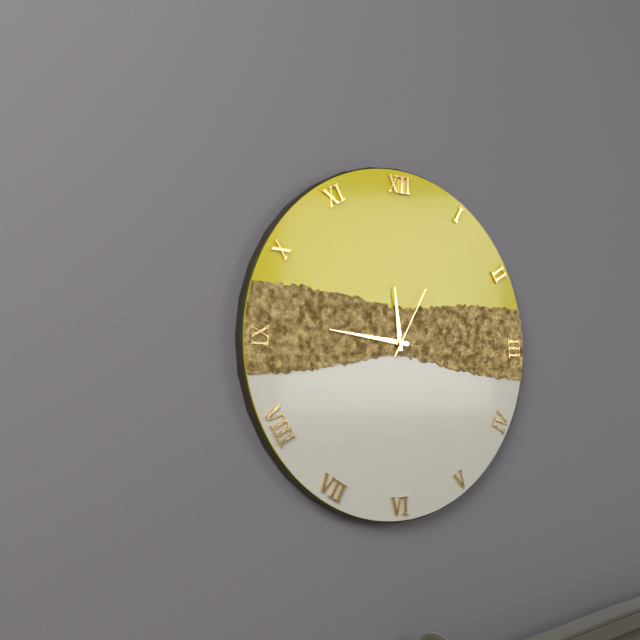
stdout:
{"hour": 11, "minute": 46, "second": 5}
